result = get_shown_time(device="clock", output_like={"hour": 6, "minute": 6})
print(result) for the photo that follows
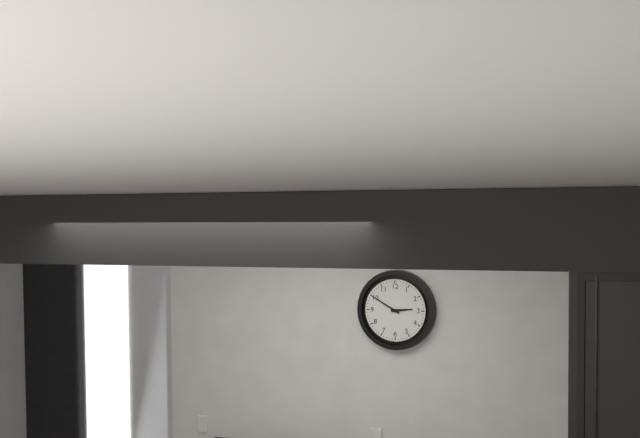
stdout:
{"hour": 2, "minute": 50}
